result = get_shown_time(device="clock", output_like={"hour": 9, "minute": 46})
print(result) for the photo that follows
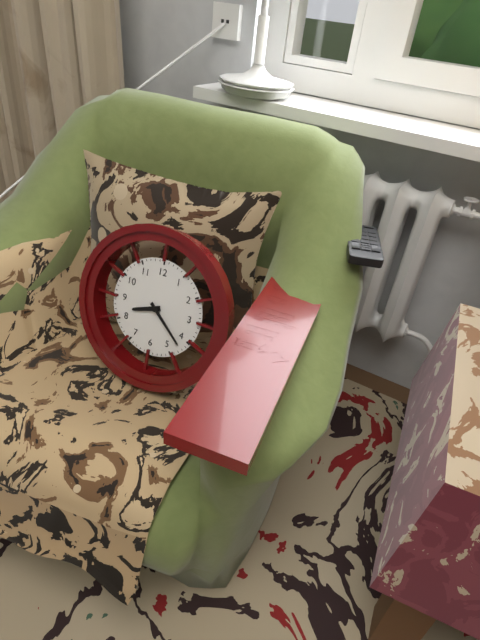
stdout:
{"hour": 8, "minute": 22}
